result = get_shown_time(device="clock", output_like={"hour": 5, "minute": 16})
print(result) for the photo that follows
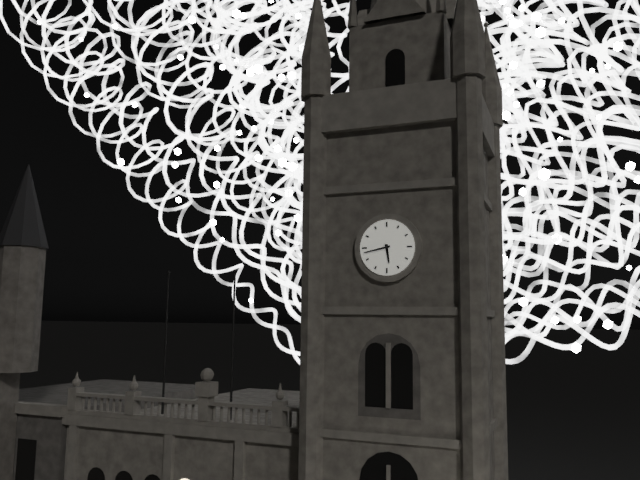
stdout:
{"hour": 5, "minute": 43}
